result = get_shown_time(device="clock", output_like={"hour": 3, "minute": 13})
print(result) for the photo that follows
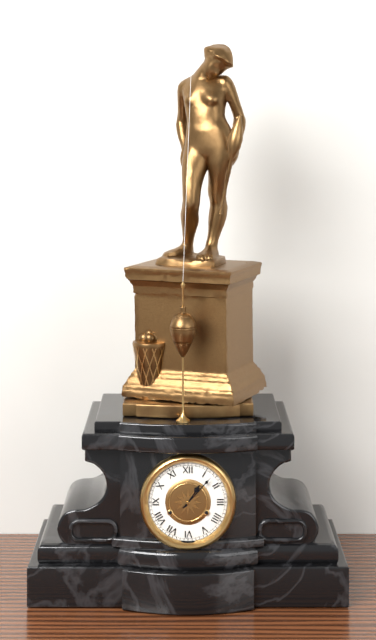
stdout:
{"hour": 1, "minute": 7}
